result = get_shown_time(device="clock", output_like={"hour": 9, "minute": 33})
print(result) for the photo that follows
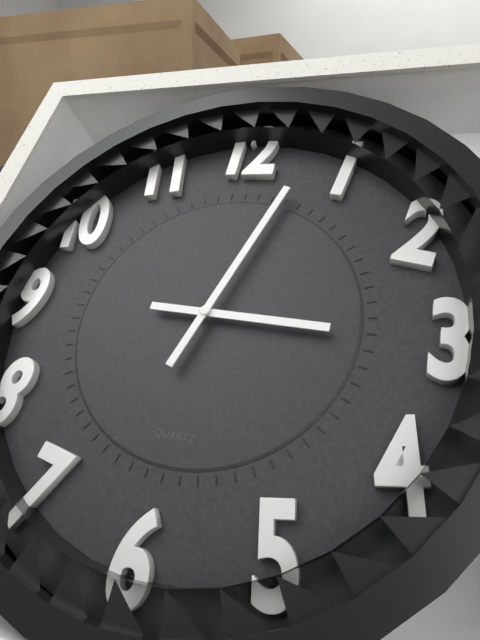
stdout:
{"hour": 3, "minute": 3}
